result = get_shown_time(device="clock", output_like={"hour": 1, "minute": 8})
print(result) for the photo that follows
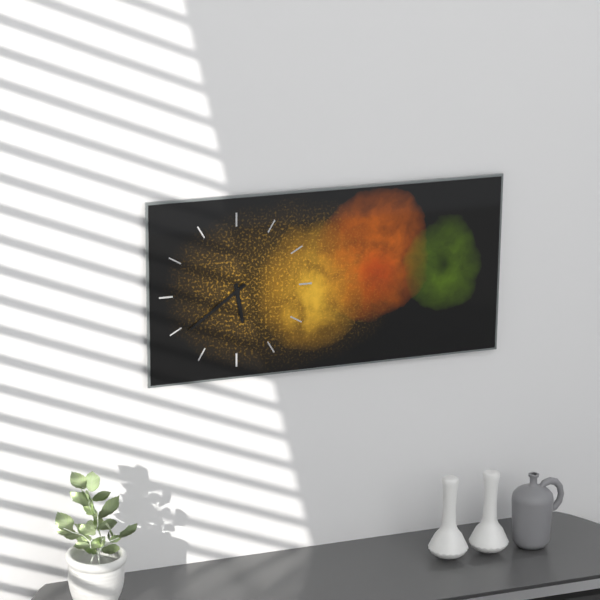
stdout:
{"hour": 5, "minute": 39}
